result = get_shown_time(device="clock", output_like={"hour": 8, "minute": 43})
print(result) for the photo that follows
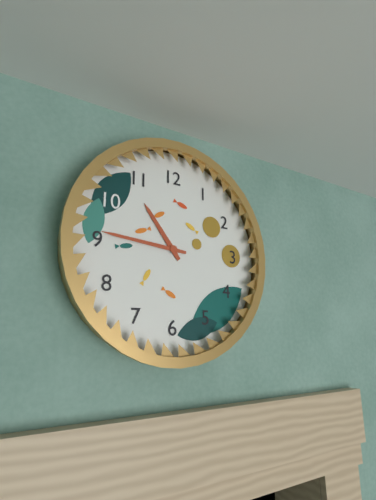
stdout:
{"hour": 10, "minute": 46}
